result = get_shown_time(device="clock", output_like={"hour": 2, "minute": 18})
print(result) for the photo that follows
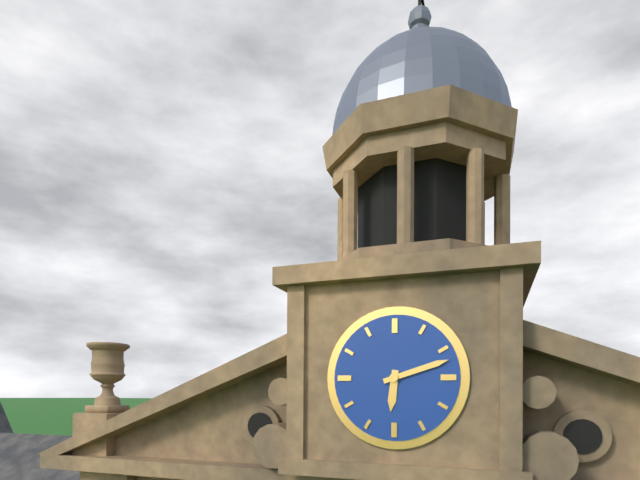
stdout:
{"hour": 6, "minute": 12}
